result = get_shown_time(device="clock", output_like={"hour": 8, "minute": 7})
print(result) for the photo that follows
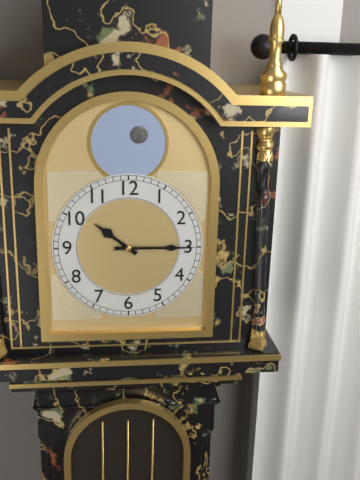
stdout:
{"hour": 10, "minute": 15}
